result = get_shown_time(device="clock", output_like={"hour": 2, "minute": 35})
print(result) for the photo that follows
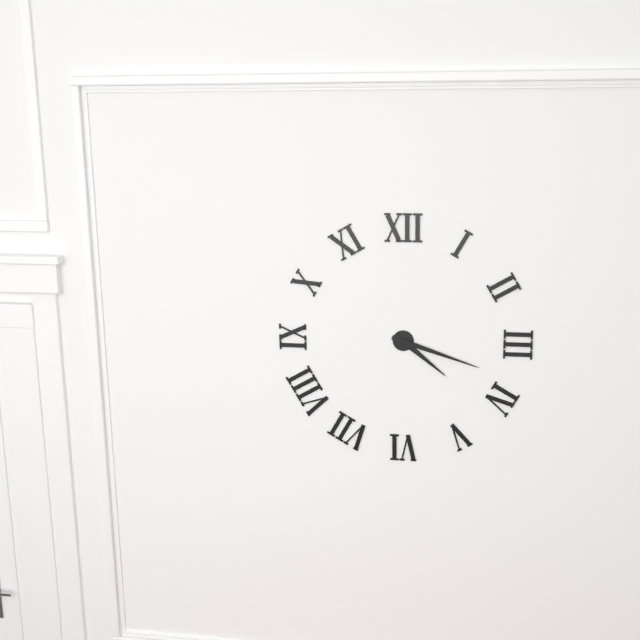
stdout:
{"hour": 4, "minute": 18}
